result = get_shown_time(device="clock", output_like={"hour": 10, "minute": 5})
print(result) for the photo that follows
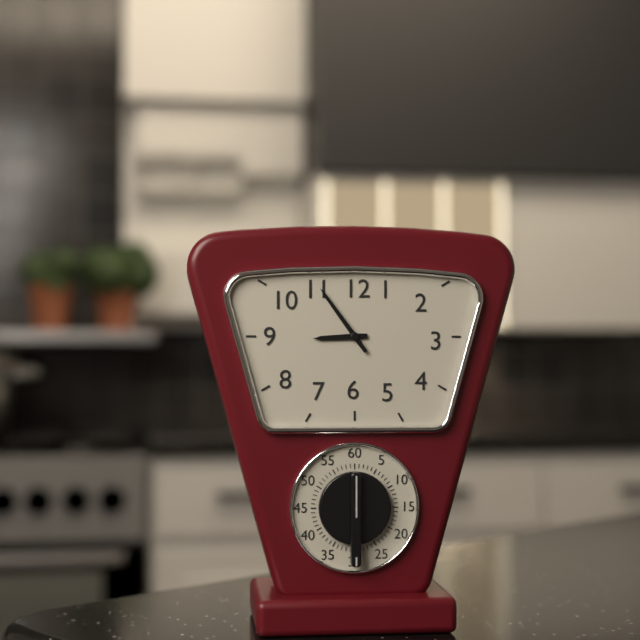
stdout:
{"hour": 8, "minute": 54}
